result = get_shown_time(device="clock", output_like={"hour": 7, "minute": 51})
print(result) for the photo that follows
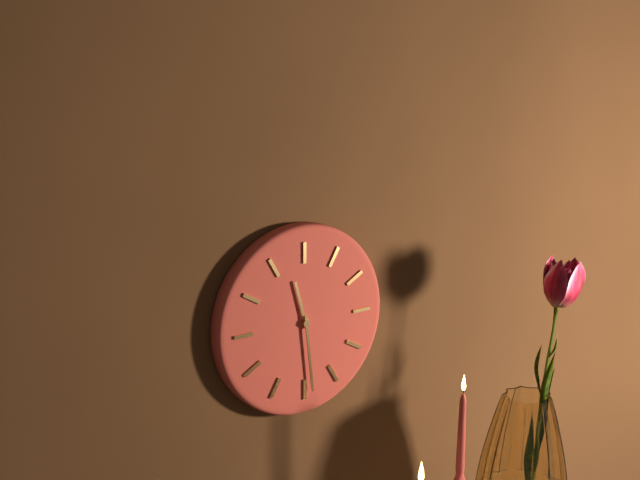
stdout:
{"hour": 11, "minute": 29}
